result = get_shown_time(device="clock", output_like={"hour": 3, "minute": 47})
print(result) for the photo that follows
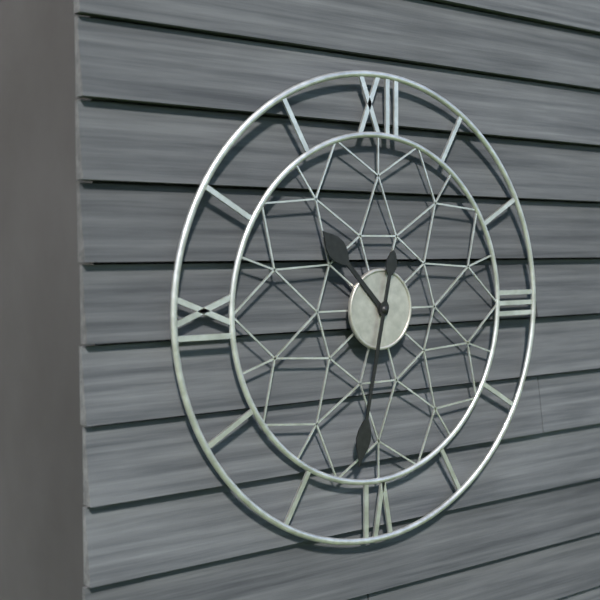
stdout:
{"hour": 10, "minute": 32}
